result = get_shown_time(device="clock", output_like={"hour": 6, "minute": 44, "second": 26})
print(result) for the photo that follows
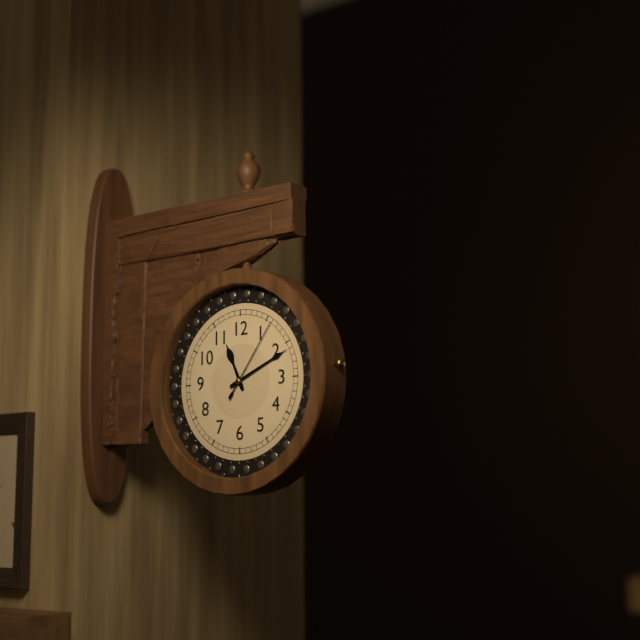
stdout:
{"hour": 11, "minute": 11, "second": 6}
